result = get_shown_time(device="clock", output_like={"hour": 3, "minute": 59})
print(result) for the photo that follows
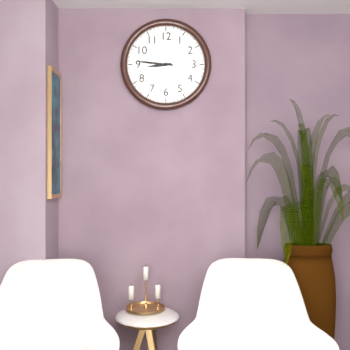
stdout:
{"hour": 8, "minute": 46}
